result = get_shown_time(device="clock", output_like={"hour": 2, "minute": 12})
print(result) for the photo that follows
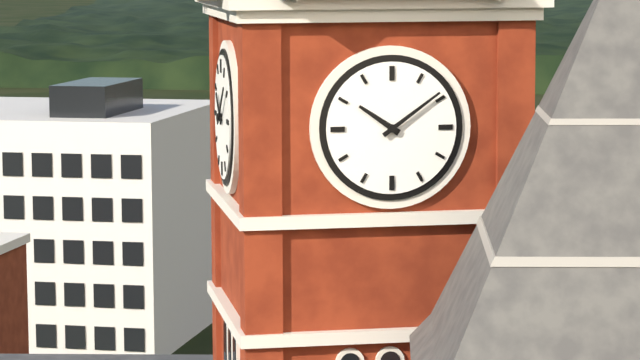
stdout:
{"hour": 10, "minute": 9}
